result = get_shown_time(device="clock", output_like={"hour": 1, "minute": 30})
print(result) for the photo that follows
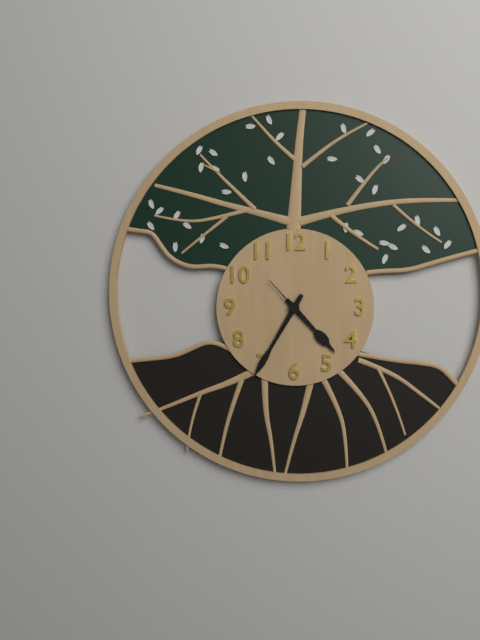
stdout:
{"hour": 4, "minute": 35}
